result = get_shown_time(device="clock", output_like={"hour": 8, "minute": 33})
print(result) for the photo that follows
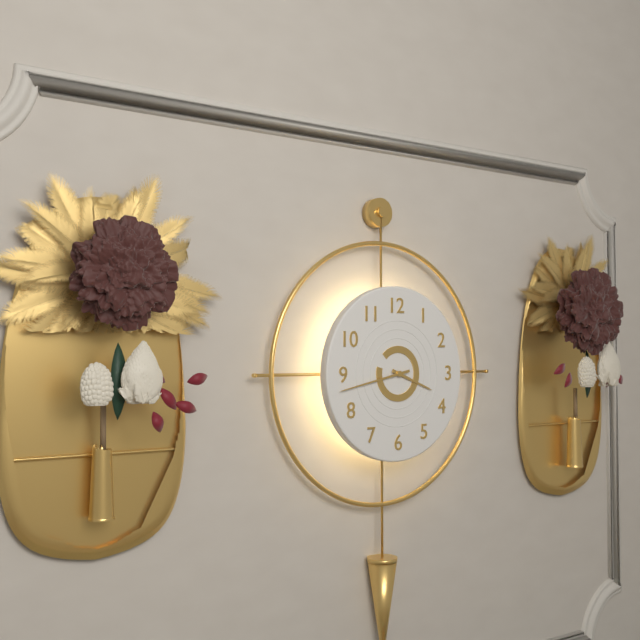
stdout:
{"hour": 3, "minute": 43}
